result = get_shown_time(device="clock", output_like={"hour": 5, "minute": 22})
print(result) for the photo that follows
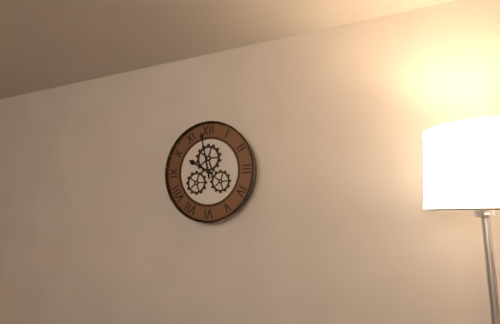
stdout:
{"hour": 9, "minute": 58}
